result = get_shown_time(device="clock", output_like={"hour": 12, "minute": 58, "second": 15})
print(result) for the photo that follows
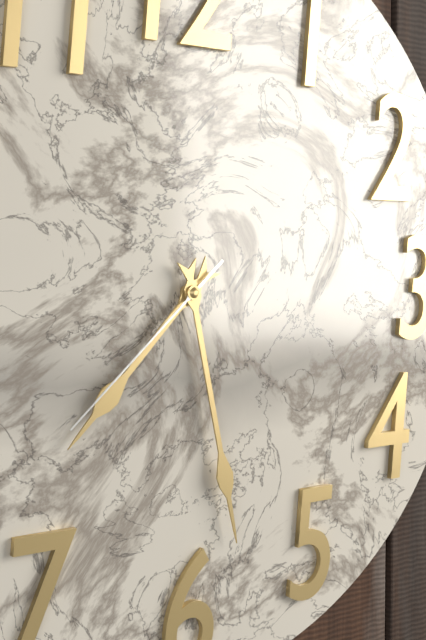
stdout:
{"hour": 7, "minute": 28, "second": 38}
